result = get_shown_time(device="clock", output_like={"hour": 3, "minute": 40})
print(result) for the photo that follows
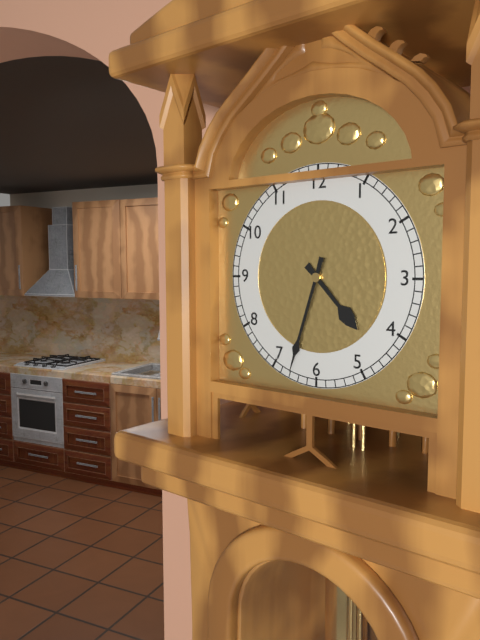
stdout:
{"hour": 4, "minute": 33}
